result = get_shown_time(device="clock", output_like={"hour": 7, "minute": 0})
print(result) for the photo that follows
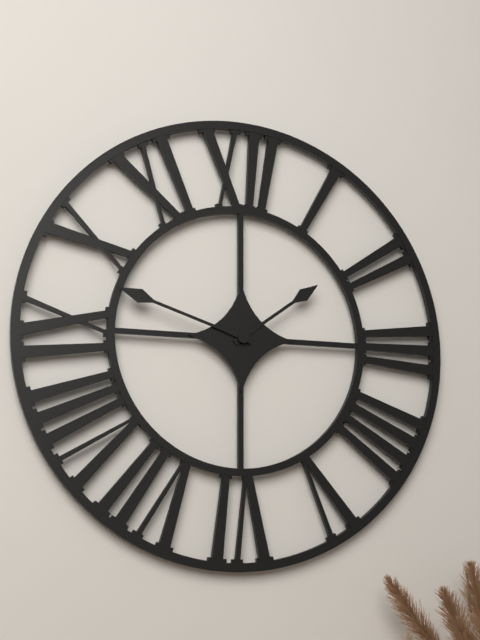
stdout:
{"hour": 1, "minute": 48}
